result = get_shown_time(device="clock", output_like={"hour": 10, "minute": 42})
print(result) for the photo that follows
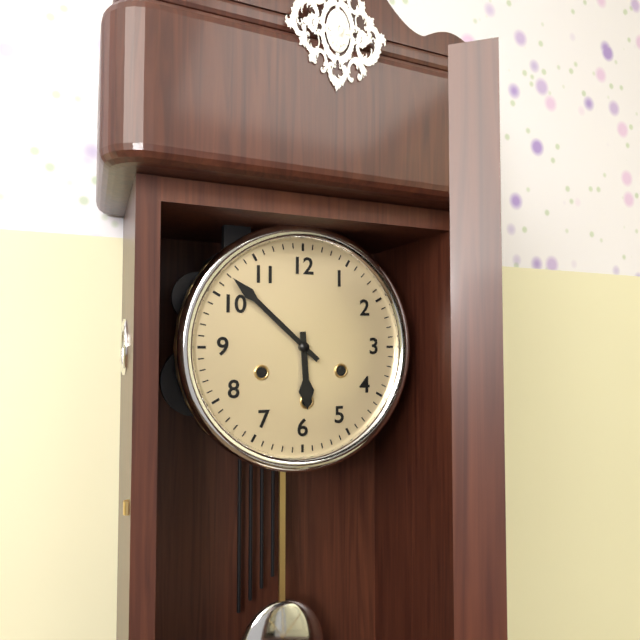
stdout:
{"hour": 5, "minute": 52}
